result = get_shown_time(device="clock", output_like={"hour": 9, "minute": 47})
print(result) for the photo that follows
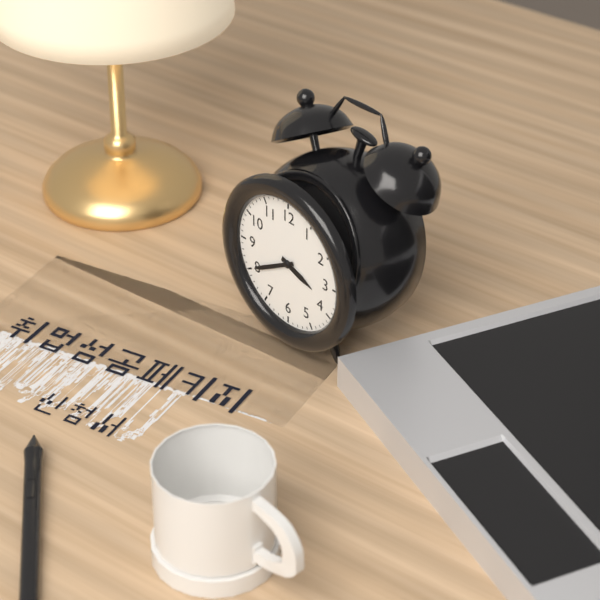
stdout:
{"hour": 3, "minute": 40}
